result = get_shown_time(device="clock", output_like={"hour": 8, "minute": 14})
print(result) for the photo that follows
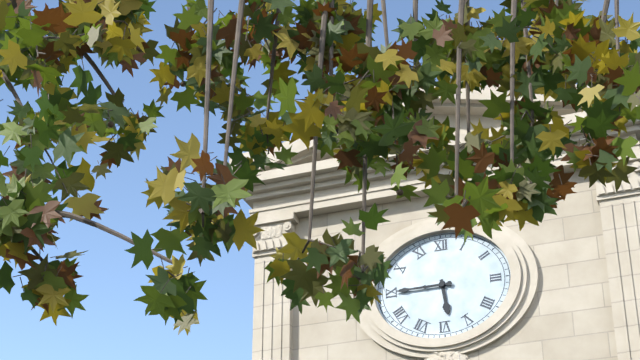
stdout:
{"hour": 5, "minute": 45}
